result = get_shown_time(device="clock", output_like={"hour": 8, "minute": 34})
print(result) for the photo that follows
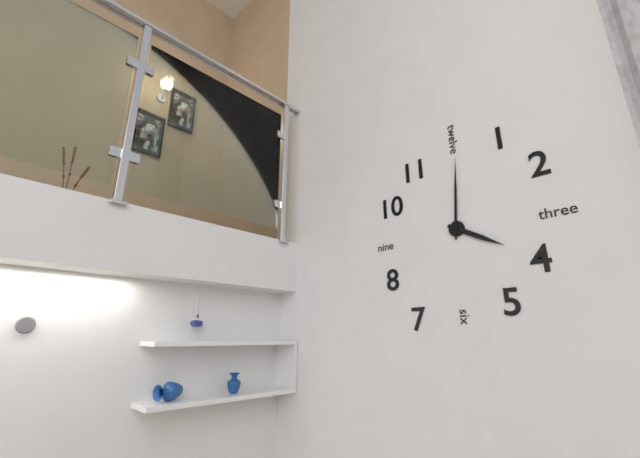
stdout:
{"hour": 4, "minute": 1}
